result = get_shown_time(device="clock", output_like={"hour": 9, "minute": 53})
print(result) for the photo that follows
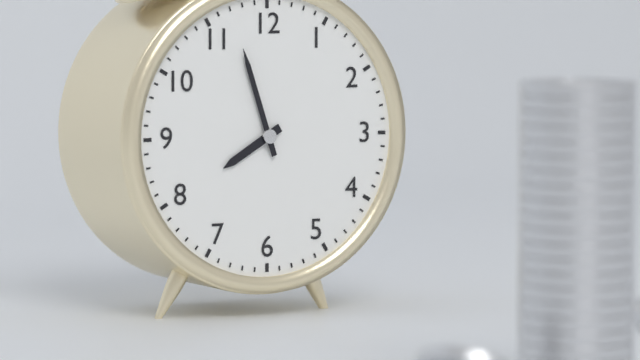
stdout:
{"hour": 7, "minute": 57}
